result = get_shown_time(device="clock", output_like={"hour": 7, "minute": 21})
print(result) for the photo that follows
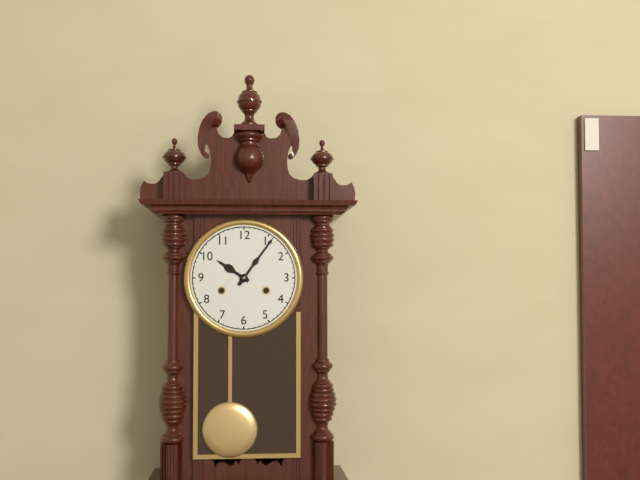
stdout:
{"hour": 10, "minute": 6}
